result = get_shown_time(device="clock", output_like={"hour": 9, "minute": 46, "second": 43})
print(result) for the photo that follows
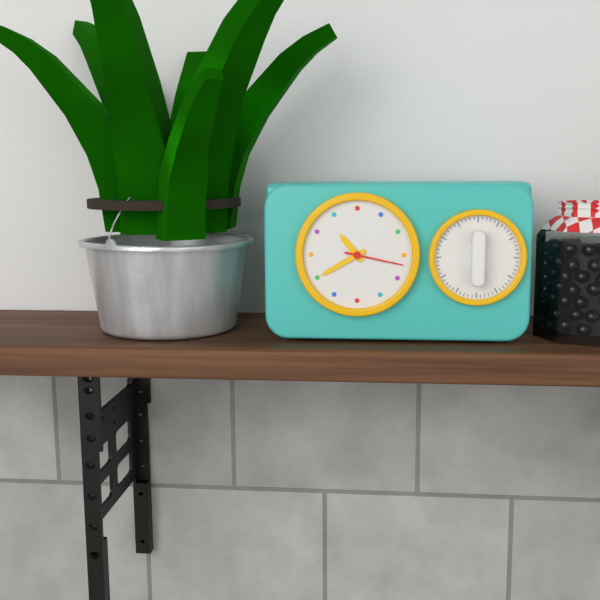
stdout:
{"hour": 10, "minute": 40, "second": 17}
